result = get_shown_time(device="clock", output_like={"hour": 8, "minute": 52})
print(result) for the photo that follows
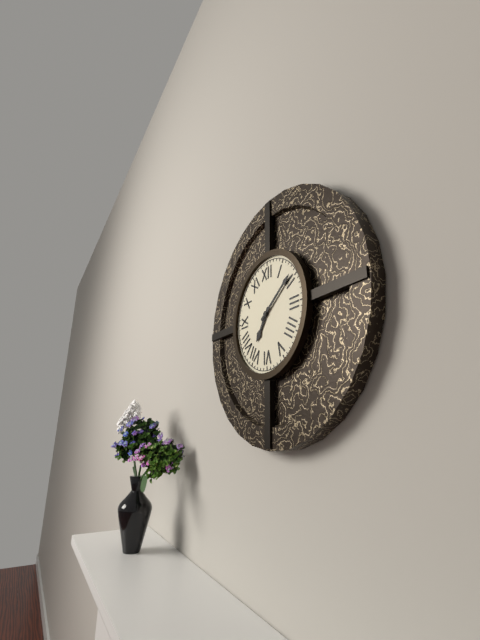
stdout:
{"hour": 7, "minute": 9}
